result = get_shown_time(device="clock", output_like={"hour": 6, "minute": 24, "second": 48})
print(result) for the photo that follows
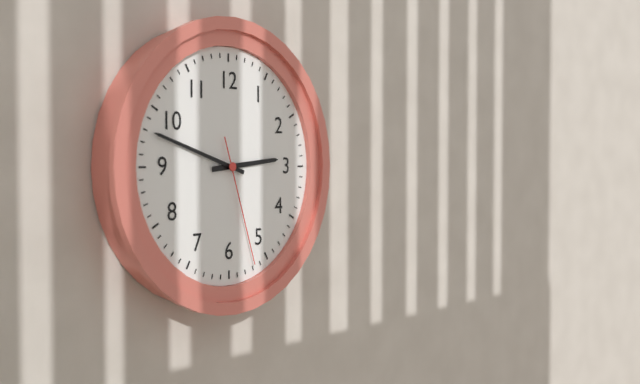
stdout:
{"hour": 2, "minute": 48, "second": 27}
